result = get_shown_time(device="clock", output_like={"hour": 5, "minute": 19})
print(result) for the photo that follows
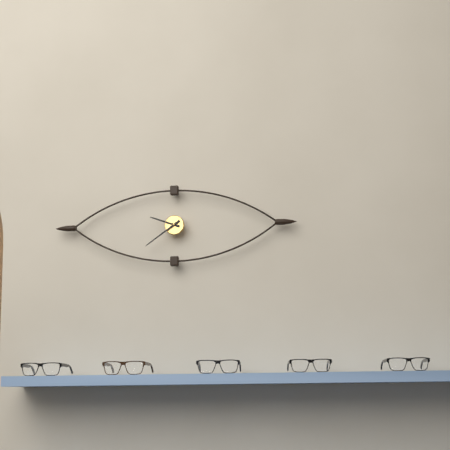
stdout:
{"hour": 9, "minute": 39}
